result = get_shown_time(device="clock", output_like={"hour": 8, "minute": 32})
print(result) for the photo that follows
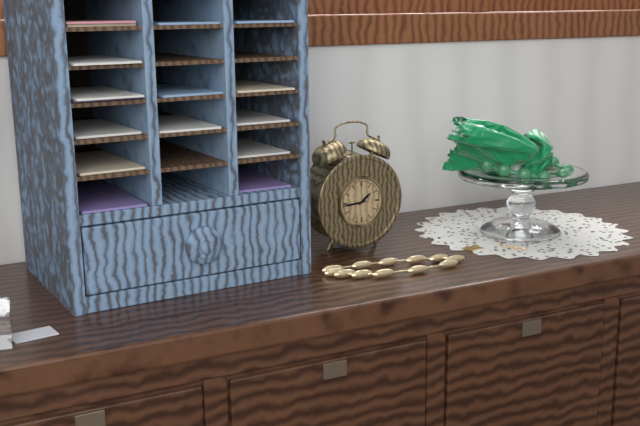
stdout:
{"hour": 1, "minute": 44}
